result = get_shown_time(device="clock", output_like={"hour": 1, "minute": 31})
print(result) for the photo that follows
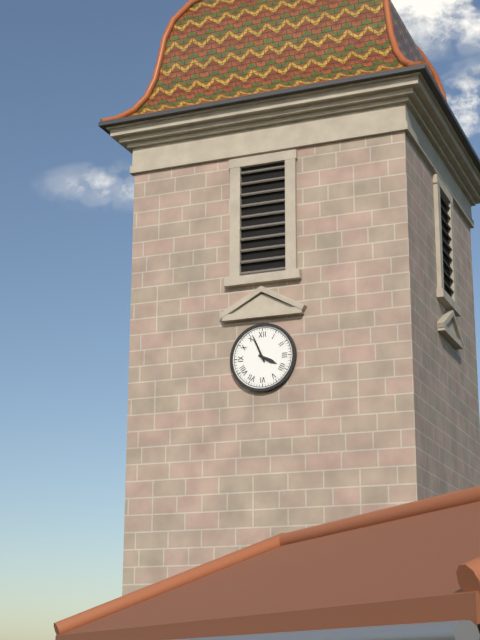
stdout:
{"hour": 3, "minute": 56}
